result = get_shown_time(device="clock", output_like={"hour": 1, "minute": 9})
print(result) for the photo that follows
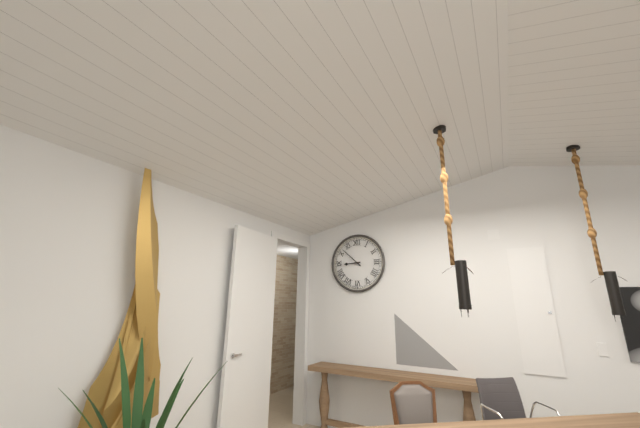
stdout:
{"hour": 8, "minute": 52}
